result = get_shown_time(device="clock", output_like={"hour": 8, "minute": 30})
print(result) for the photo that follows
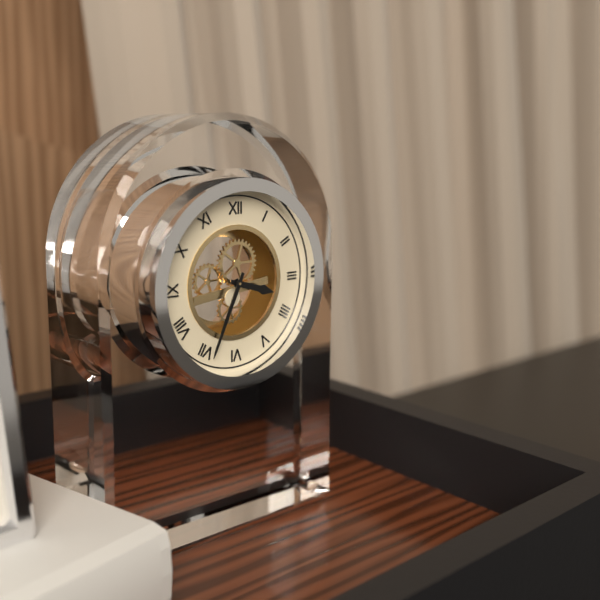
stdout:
{"hour": 3, "minute": 34}
